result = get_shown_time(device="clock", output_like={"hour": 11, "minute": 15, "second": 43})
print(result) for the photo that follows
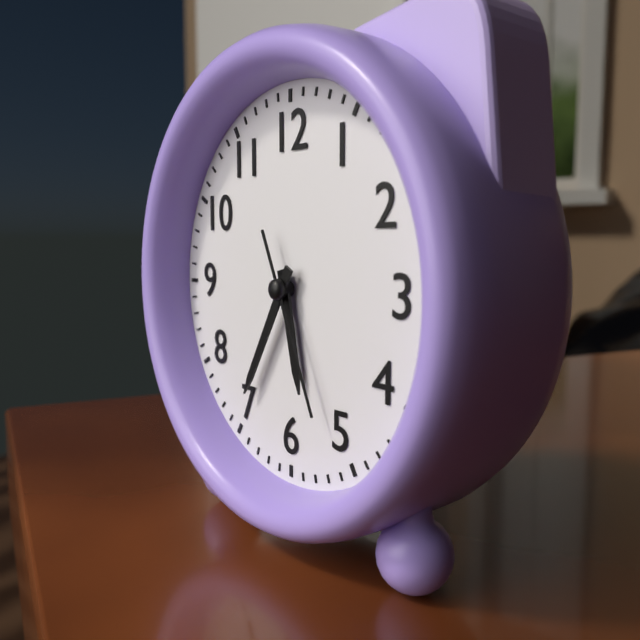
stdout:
{"hour": 5, "minute": 35, "second": 26}
